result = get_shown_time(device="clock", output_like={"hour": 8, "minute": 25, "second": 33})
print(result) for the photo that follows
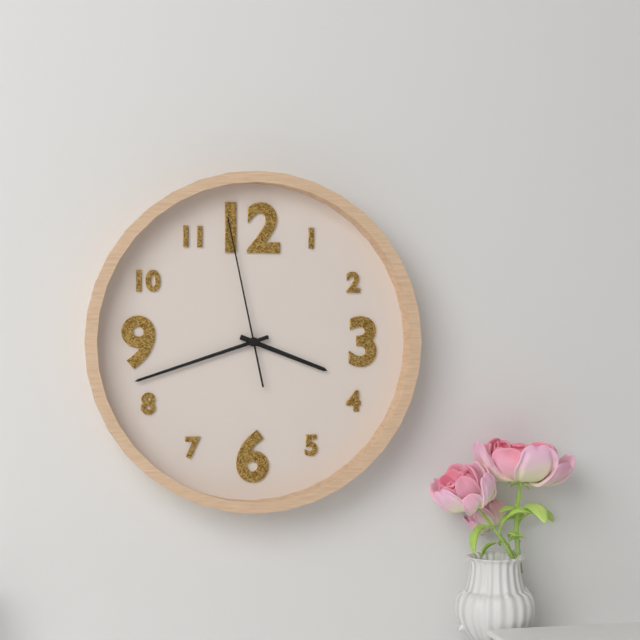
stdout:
{"hour": 3, "minute": 42, "second": 58}
